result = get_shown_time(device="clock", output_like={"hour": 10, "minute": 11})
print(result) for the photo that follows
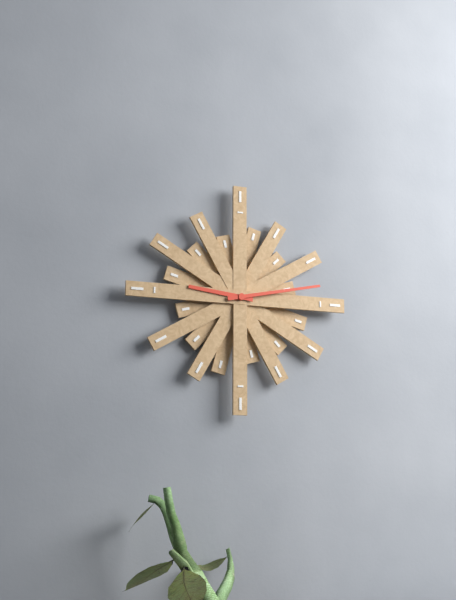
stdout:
{"hour": 9, "minute": 13}
